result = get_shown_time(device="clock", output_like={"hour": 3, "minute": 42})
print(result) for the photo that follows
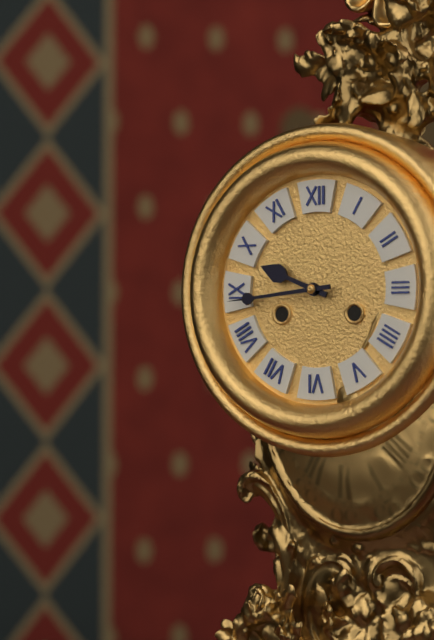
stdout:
{"hour": 9, "minute": 44}
